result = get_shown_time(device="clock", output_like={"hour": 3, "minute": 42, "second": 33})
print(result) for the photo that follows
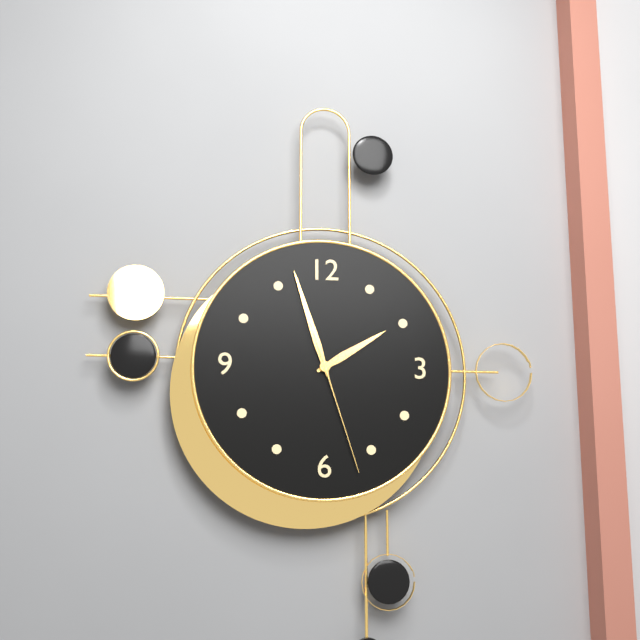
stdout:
{"hour": 1, "minute": 57, "second": 27}
